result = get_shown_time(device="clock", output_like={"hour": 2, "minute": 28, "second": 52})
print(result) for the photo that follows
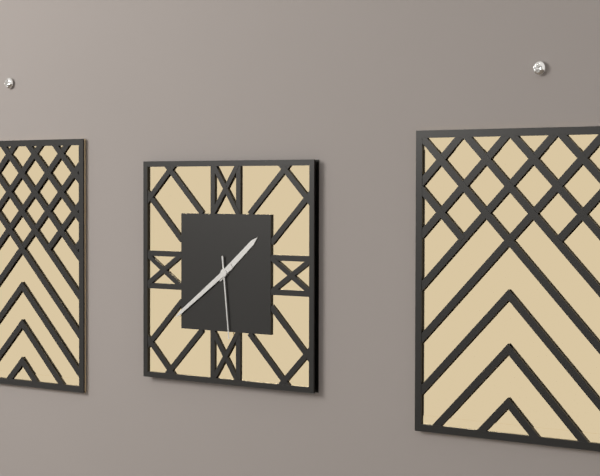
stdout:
{"hour": 1, "minute": 39, "second": 29}
